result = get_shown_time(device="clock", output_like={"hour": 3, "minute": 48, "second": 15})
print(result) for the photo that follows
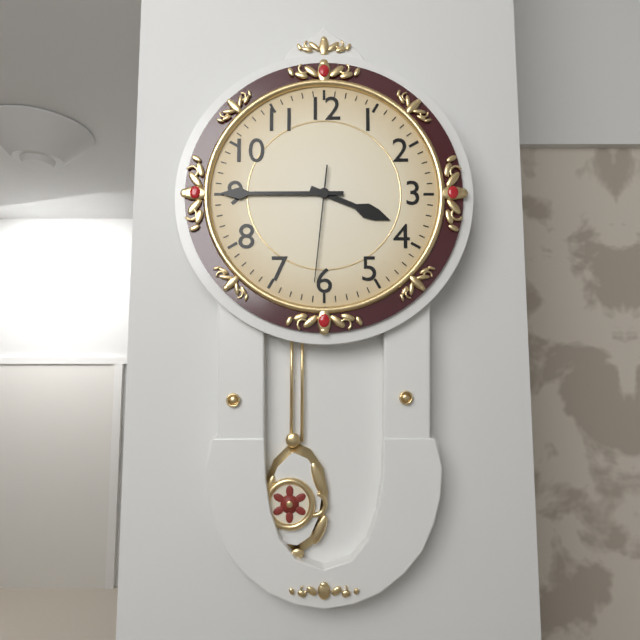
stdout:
{"hour": 3, "minute": 45, "second": 31}
